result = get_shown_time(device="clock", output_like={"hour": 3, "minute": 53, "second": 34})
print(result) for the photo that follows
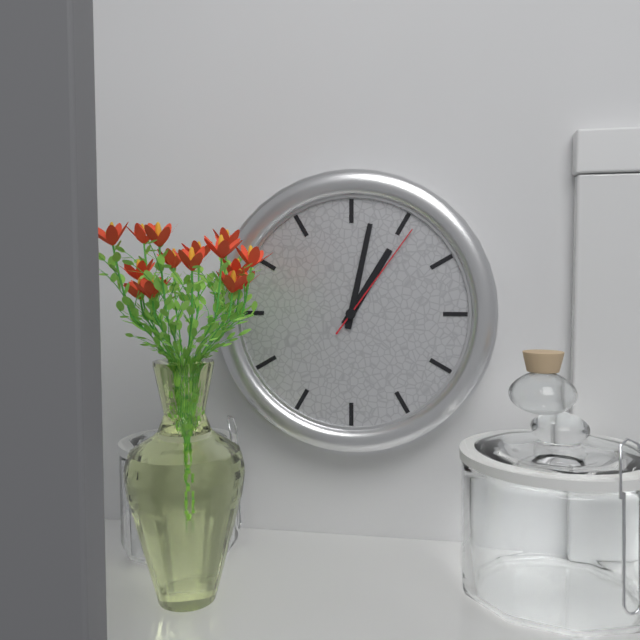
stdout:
{"hour": 1, "minute": 2, "second": 6}
